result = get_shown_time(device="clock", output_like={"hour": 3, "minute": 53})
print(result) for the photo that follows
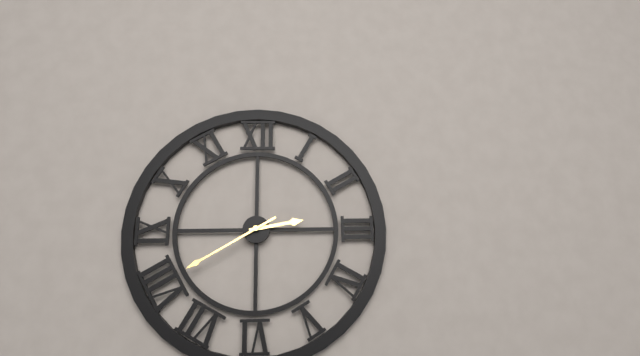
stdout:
{"hour": 2, "minute": 40}
